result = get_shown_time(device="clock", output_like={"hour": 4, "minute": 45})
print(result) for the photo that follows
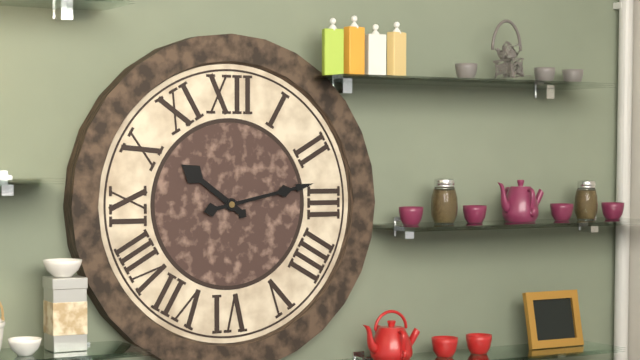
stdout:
{"hour": 10, "minute": 13}
